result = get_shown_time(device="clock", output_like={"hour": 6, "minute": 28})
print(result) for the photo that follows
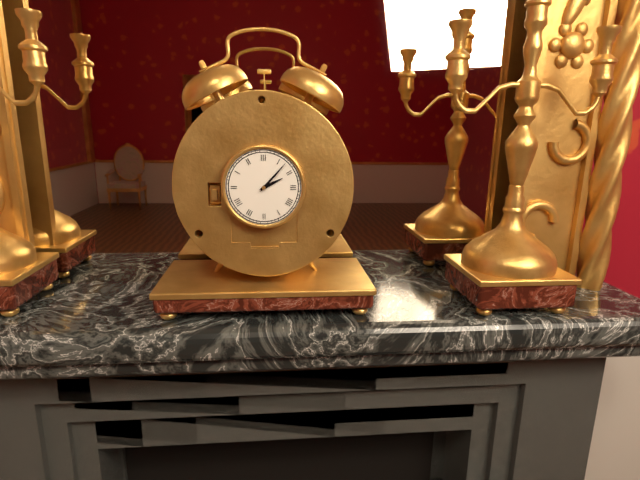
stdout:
{"hour": 2, "minute": 7}
